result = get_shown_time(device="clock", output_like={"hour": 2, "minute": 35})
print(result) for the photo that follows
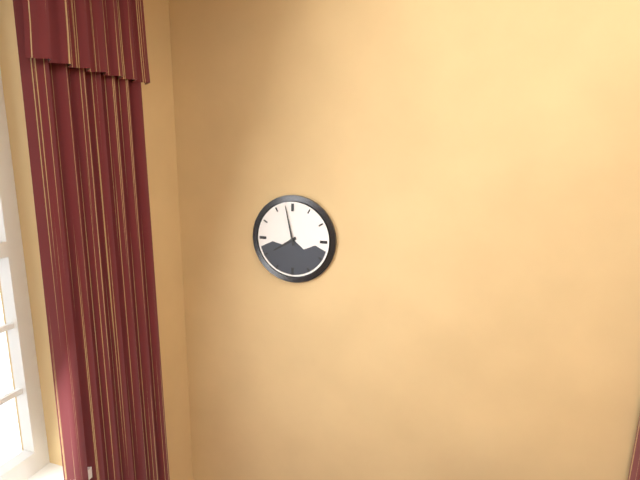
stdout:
{"hour": 7, "minute": 58}
